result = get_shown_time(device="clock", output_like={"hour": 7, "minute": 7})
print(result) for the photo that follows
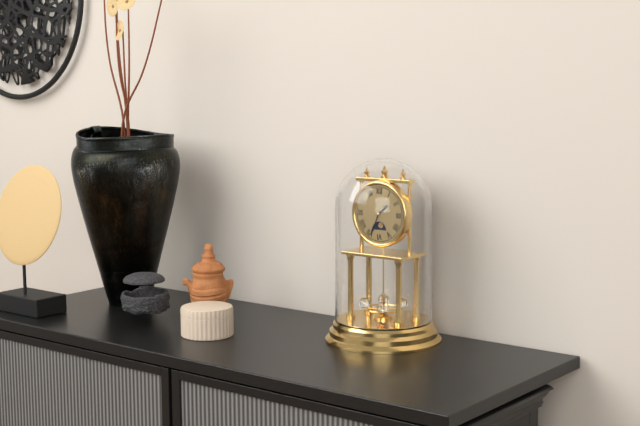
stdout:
{"hour": 1, "minute": 34}
